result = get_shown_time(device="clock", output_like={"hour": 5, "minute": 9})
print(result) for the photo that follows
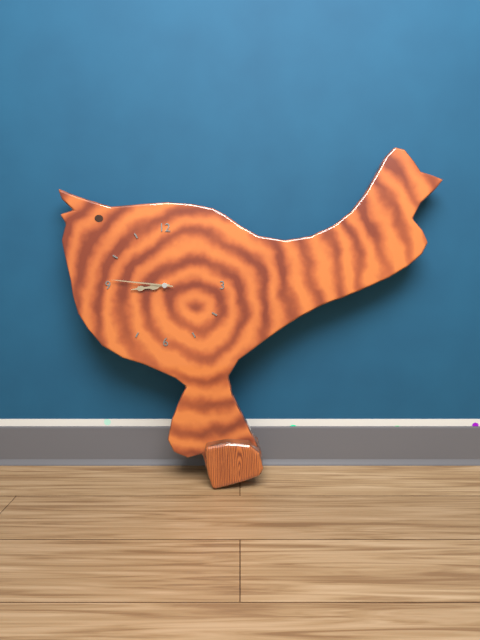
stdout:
{"hour": 8, "minute": 46}
